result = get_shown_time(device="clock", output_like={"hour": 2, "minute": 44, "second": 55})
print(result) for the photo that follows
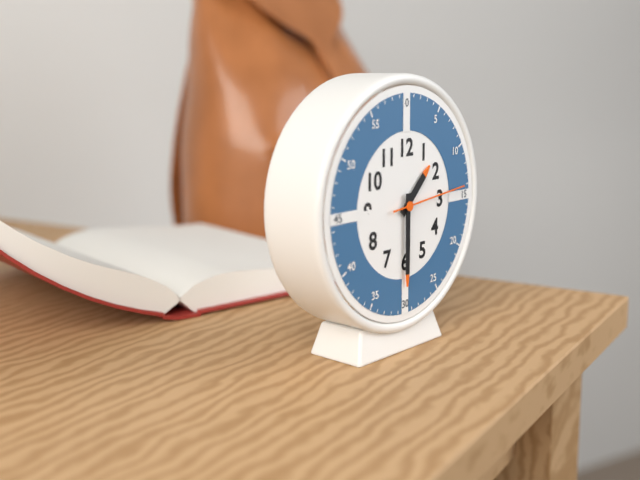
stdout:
{"hour": 1, "minute": 30, "second": 14}
